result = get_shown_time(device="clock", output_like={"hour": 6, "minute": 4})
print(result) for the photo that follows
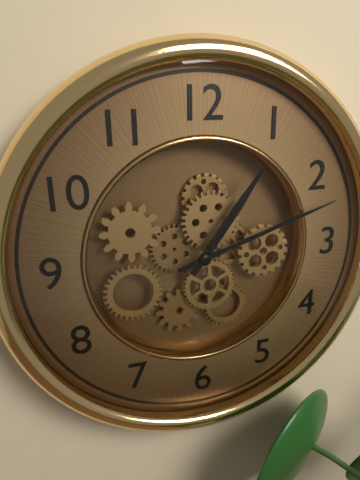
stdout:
{"hour": 1, "minute": 12}
